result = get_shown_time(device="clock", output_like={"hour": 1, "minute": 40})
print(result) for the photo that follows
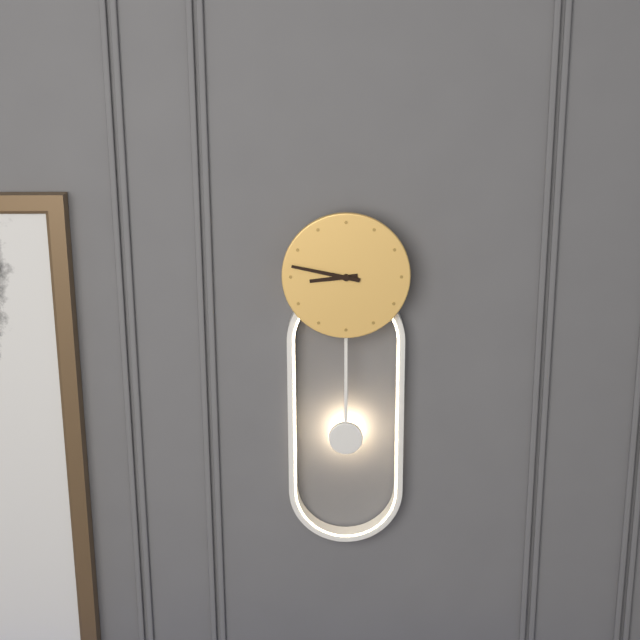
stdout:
{"hour": 8, "minute": 47}
